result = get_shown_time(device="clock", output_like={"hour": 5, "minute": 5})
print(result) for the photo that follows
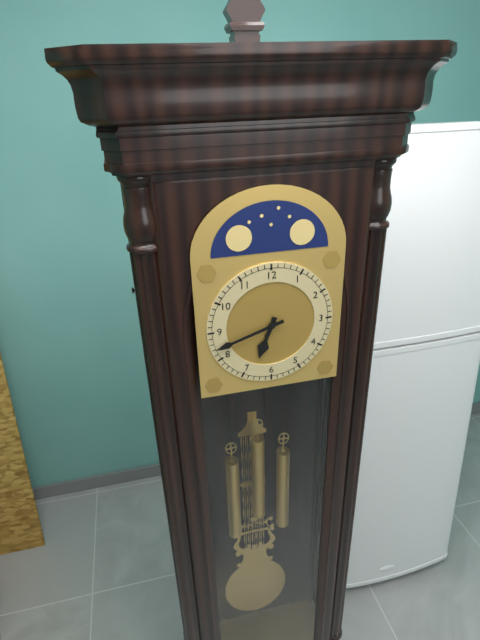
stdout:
{"hour": 6, "minute": 42}
